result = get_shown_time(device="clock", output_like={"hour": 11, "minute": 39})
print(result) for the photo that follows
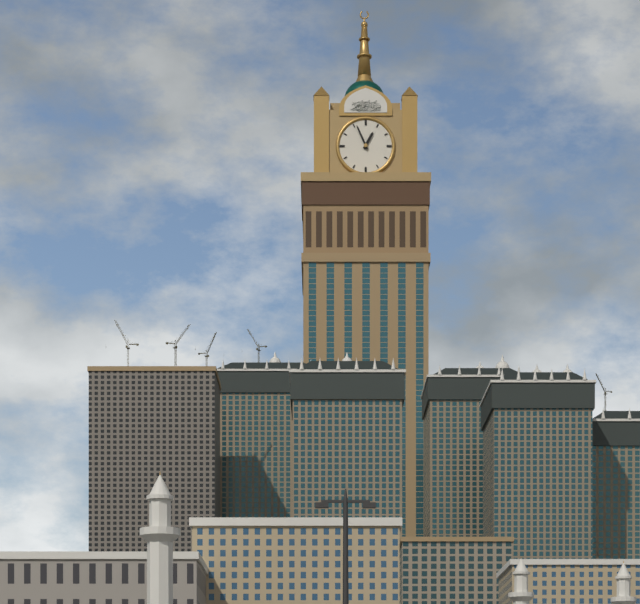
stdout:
{"hour": 12, "minute": 56}
